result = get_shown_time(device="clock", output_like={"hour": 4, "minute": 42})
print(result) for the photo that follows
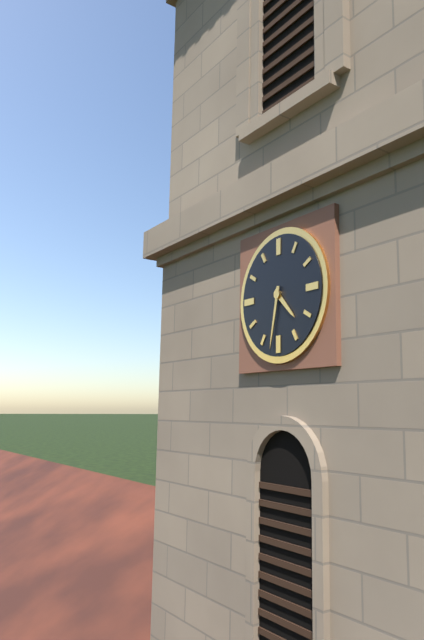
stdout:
{"hour": 4, "minute": 32}
